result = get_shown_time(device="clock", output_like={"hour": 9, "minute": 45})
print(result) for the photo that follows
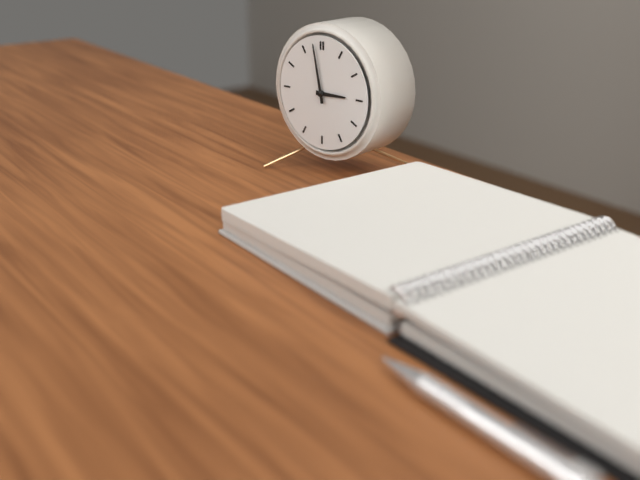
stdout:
{"hour": 2, "minute": 58}
